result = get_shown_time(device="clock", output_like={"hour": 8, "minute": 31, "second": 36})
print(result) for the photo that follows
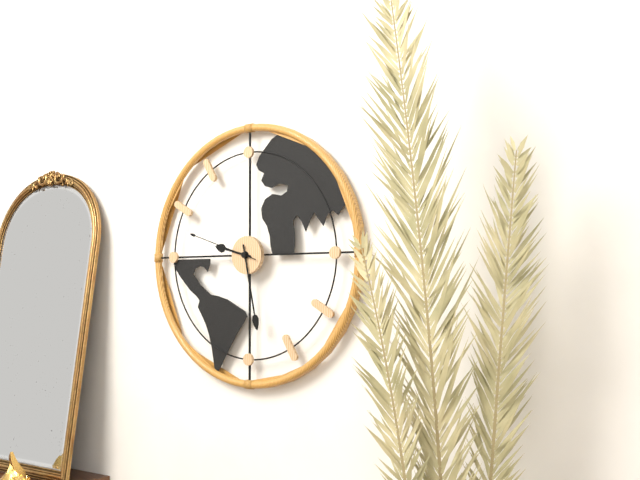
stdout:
{"hour": 9, "minute": 28, "second": 48}
